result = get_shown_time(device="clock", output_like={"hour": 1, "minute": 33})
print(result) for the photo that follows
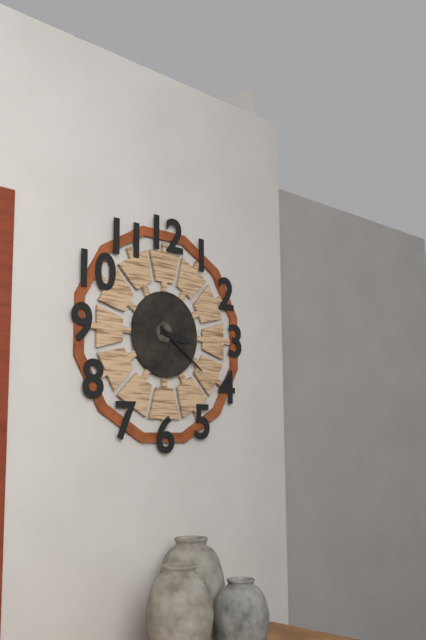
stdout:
{"hour": 3, "minute": 21}
